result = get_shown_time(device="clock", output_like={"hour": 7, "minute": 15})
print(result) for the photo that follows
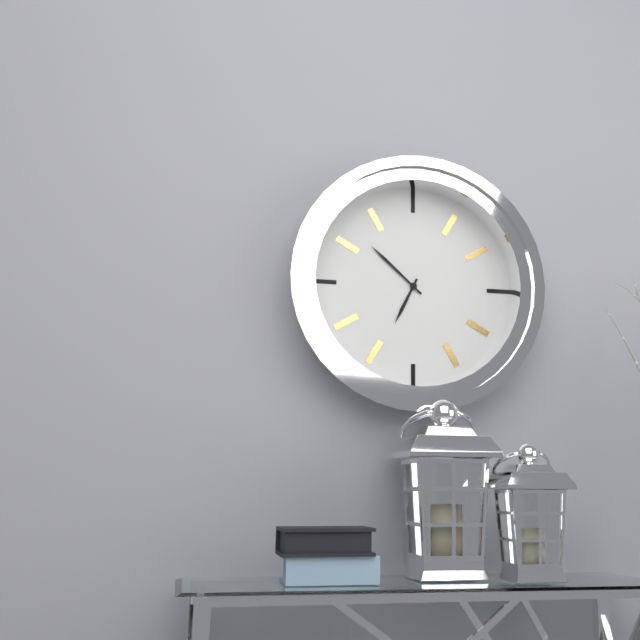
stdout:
{"hour": 6, "minute": 52}
